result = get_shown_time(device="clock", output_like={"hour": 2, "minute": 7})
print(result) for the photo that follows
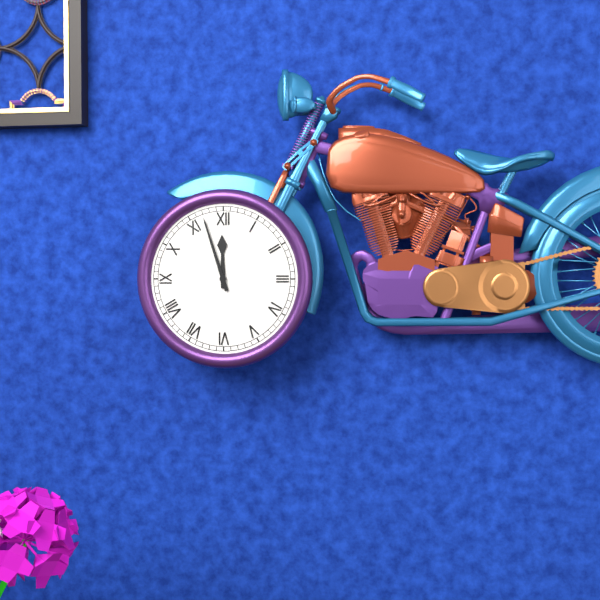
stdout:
{"hour": 11, "minute": 57}
